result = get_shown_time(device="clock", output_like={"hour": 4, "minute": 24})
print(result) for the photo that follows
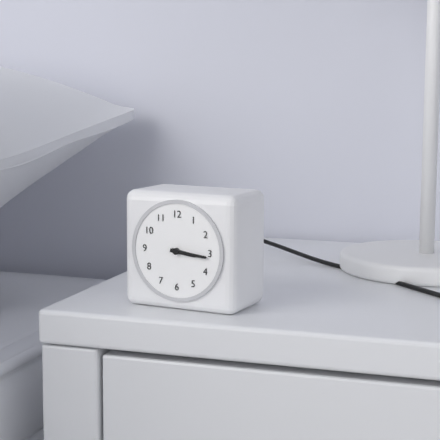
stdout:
{"hour": 3, "minute": 16}
